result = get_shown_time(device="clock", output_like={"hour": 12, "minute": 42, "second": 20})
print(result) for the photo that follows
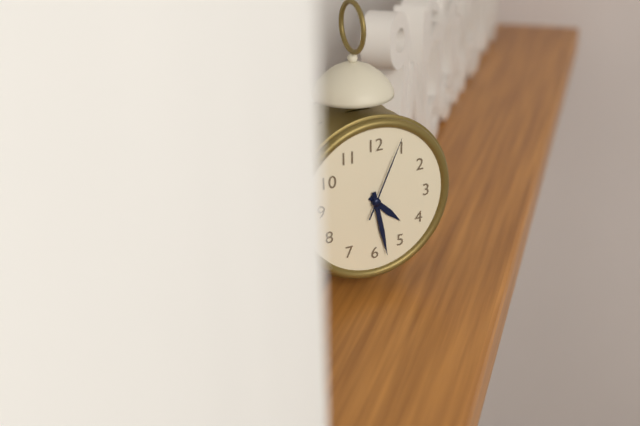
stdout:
{"hour": 4, "minute": 28, "second": 4}
